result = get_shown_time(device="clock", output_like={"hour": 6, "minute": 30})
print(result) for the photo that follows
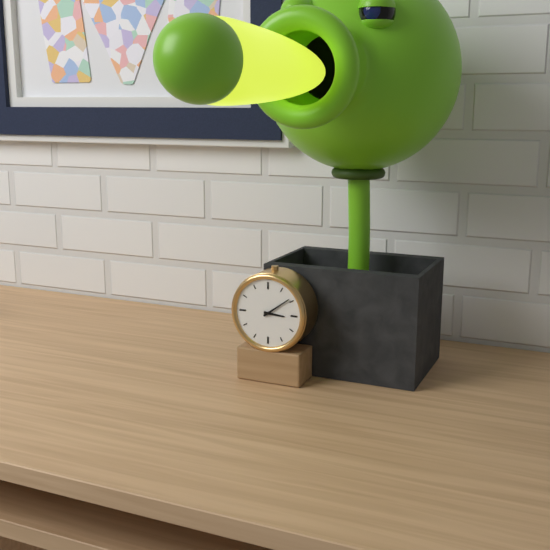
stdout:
{"hour": 3, "minute": 9}
